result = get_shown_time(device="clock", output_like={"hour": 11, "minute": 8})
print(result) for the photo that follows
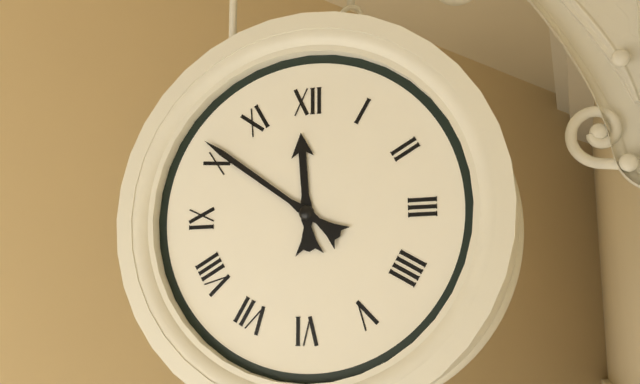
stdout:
{"hour": 11, "minute": 51}
